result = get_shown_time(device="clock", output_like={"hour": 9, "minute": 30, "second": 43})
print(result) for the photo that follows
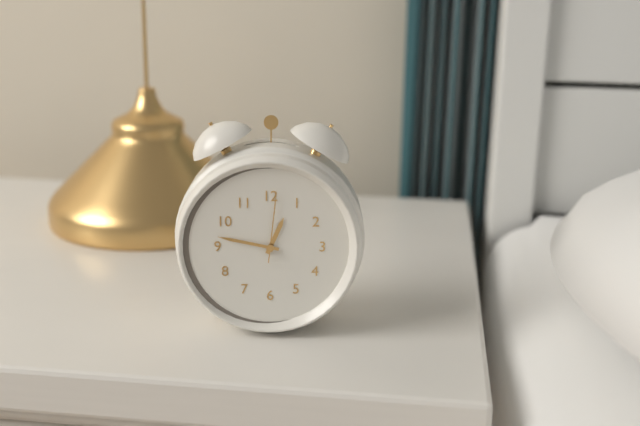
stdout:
{"hour": 12, "minute": 47, "second": 1}
